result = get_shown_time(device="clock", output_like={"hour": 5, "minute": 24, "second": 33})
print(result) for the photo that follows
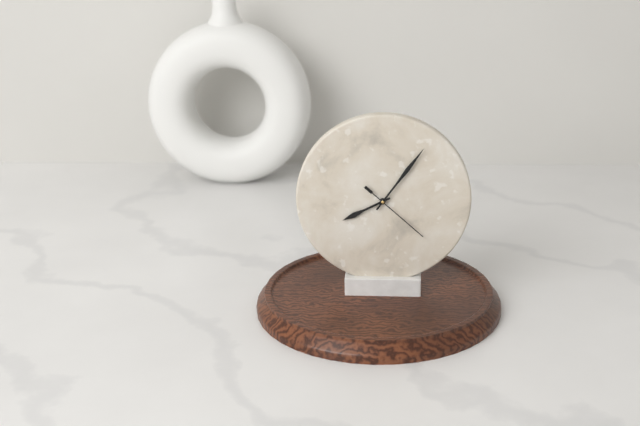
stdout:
{"hour": 8, "minute": 6, "second": 22}
